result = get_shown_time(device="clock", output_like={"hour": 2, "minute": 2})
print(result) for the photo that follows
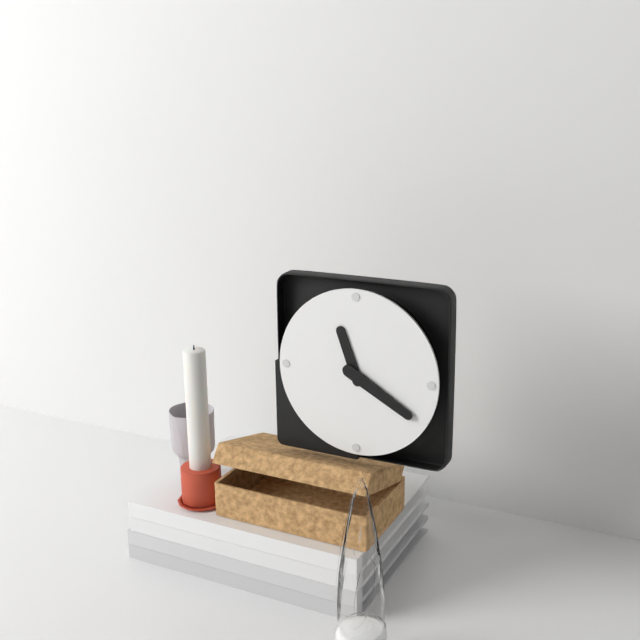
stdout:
{"hour": 11, "minute": 20}
